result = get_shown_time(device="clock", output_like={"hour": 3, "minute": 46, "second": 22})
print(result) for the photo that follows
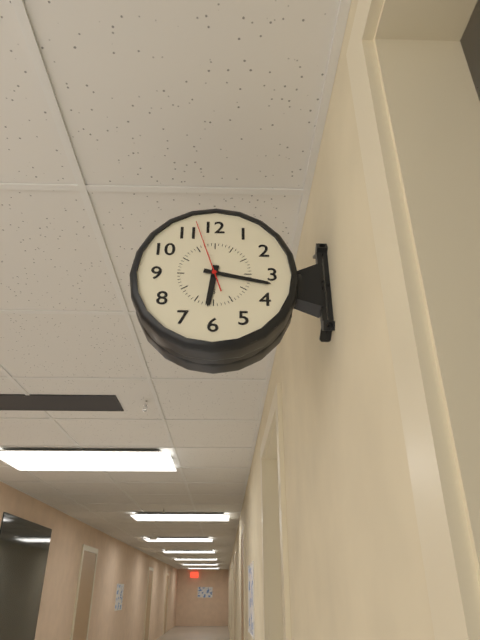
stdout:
{"hour": 6, "minute": 17, "second": 57}
